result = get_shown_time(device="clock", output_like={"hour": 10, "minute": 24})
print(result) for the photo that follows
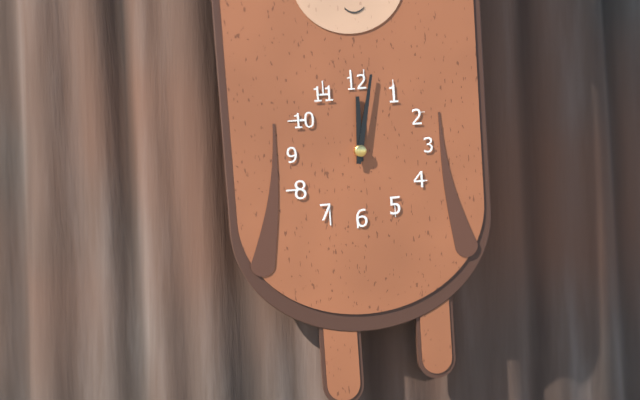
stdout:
{"hour": 12, "minute": 2}
